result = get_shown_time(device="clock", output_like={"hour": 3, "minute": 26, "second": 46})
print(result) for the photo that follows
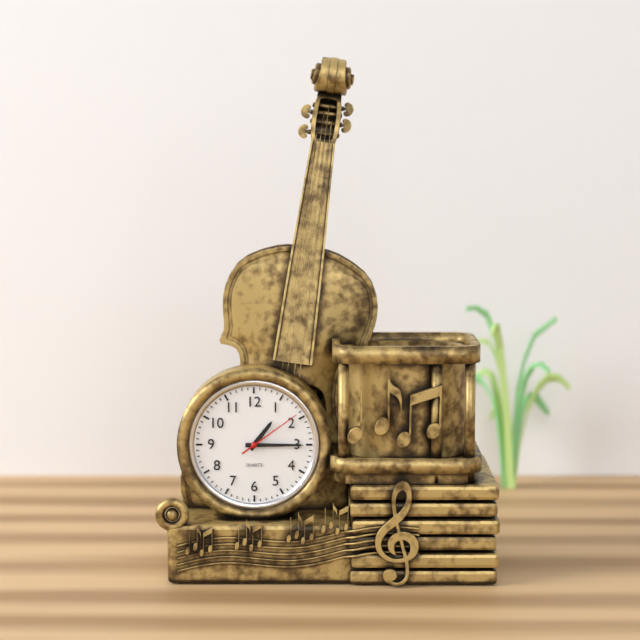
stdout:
{"hour": 1, "minute": 15, "second": 9}
